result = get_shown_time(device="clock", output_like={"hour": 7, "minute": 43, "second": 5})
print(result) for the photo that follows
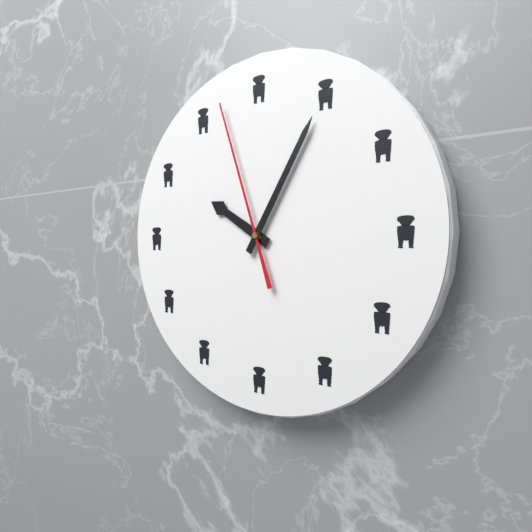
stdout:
{"hour": 10, "minute": 5, "second": 57}
